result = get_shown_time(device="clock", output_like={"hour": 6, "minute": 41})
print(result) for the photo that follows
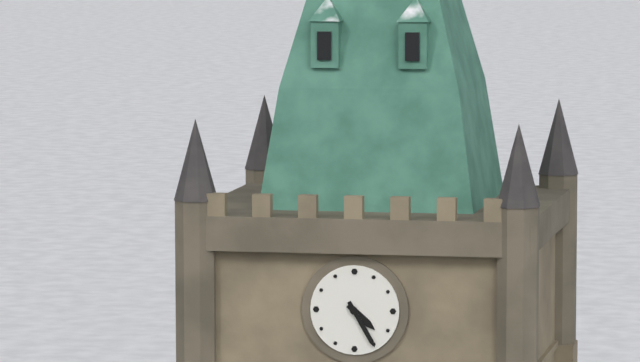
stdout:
{"hour": 4, "minute": 25}
